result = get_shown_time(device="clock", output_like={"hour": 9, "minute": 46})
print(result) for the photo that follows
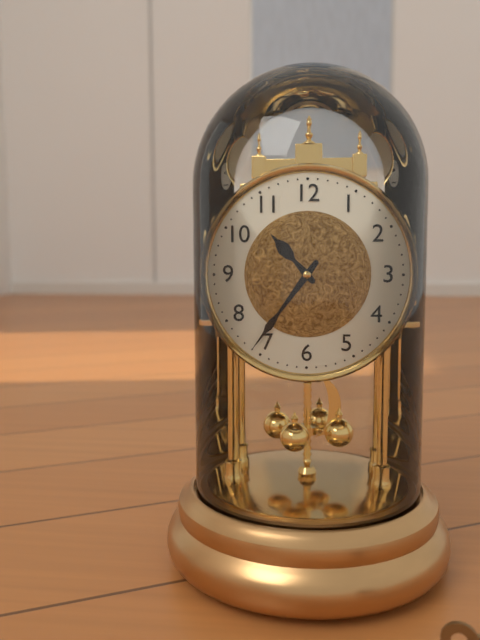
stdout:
{"hour": 10, "minute": 36}
